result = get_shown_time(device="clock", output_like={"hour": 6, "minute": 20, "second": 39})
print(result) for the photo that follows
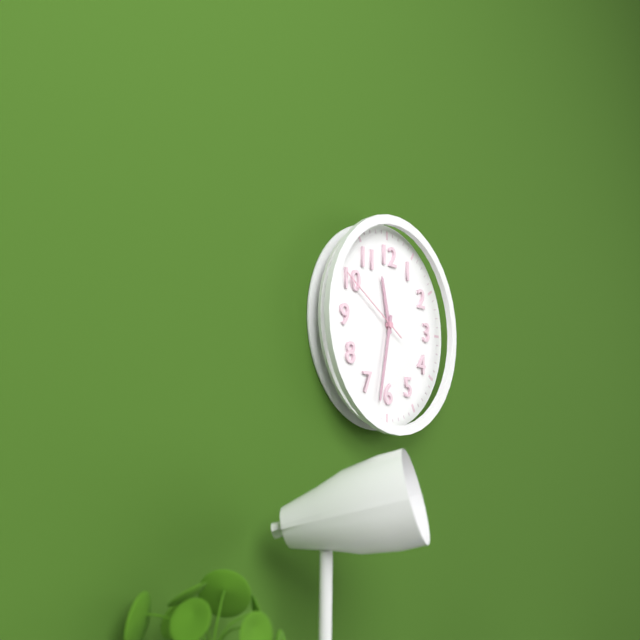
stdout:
{"hour": 11, "minute": 32, "second": 50}
